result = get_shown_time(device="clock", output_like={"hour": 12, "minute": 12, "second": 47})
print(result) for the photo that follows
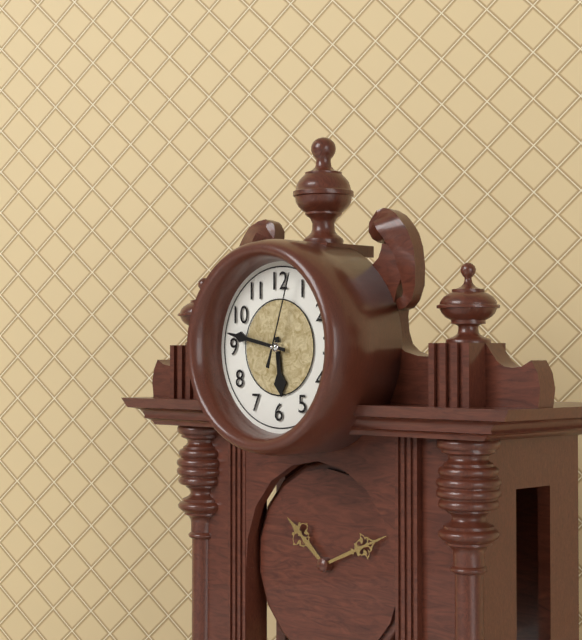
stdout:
{"hour": 5, "minute": 47, "second": 3}
